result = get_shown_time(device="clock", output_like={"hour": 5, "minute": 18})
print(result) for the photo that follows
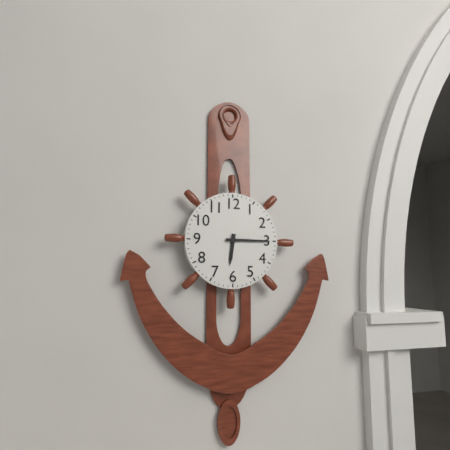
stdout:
{"hour": 6, "minute": 15}
